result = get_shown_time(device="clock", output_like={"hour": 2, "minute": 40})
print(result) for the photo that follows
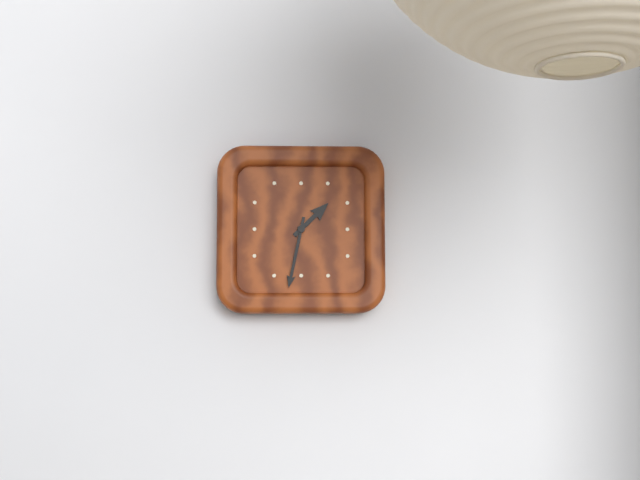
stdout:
{"hour": 1, "minute": 32}
